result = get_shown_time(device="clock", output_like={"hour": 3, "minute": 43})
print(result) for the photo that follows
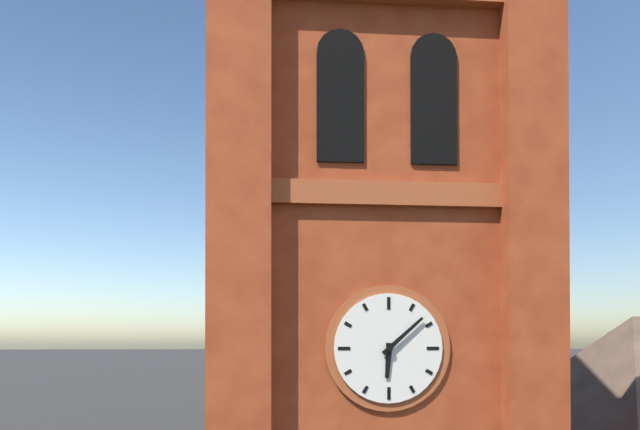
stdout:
{"hour": 6, "minute": 8}
